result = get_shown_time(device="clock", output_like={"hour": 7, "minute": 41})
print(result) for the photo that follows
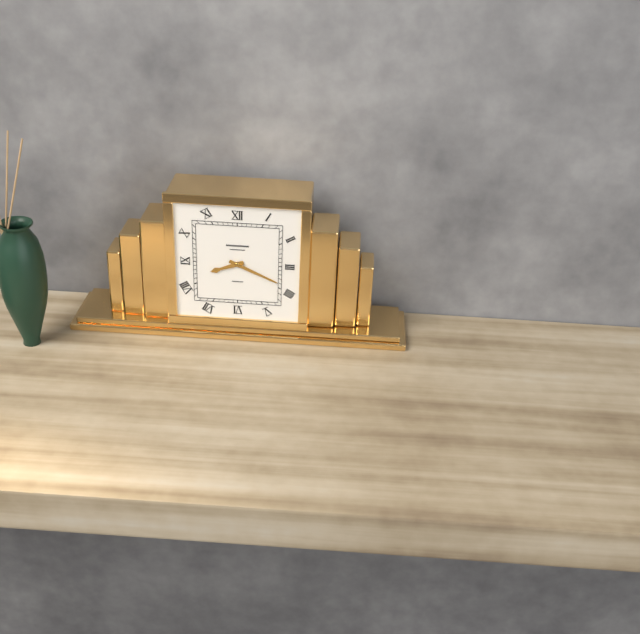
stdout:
{"hour": 8, "minute": 19}
